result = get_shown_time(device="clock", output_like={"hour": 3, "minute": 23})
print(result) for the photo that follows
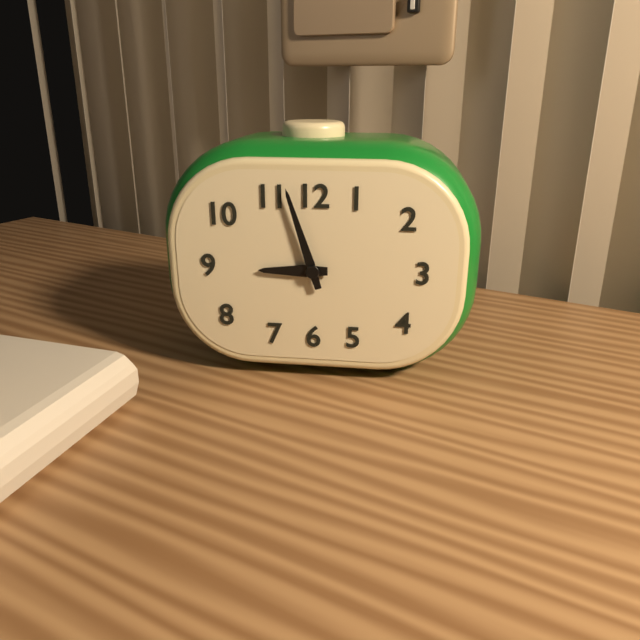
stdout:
{"hour": 8, "minute": 57}
